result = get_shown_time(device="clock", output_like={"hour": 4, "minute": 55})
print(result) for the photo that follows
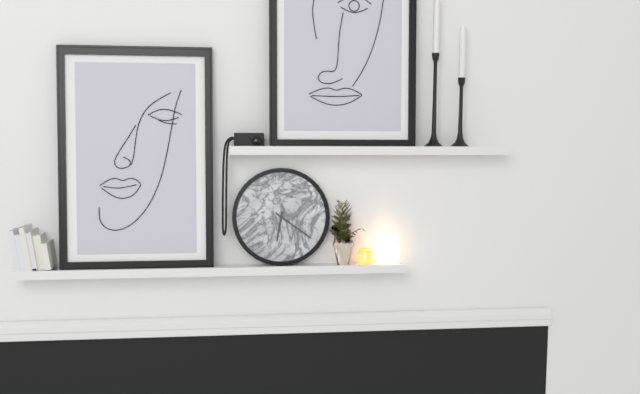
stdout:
{"hour": 6, "minute": 21}
